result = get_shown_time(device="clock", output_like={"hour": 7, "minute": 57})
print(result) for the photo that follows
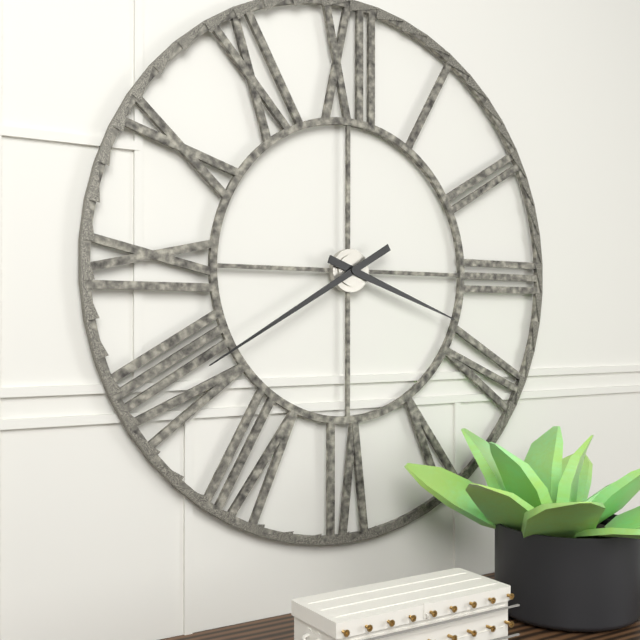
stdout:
{"hour": 3, "minute": 40}
